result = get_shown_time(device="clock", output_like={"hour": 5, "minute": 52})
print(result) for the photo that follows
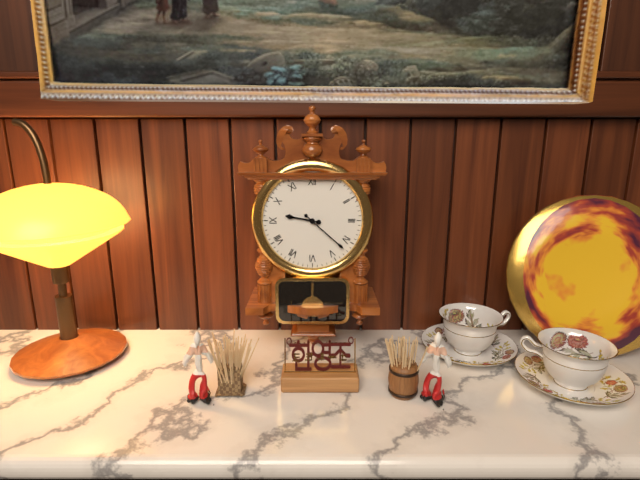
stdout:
{"hour": 9, "minute": 22}
